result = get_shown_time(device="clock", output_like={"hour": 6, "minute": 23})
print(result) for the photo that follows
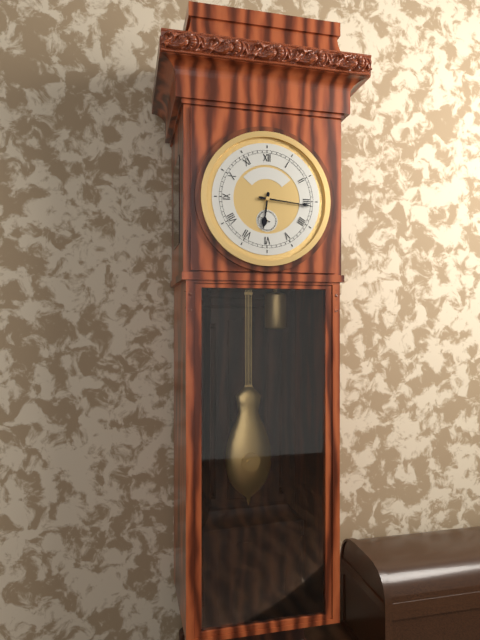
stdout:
{"hour": 6, "minute": 16}
